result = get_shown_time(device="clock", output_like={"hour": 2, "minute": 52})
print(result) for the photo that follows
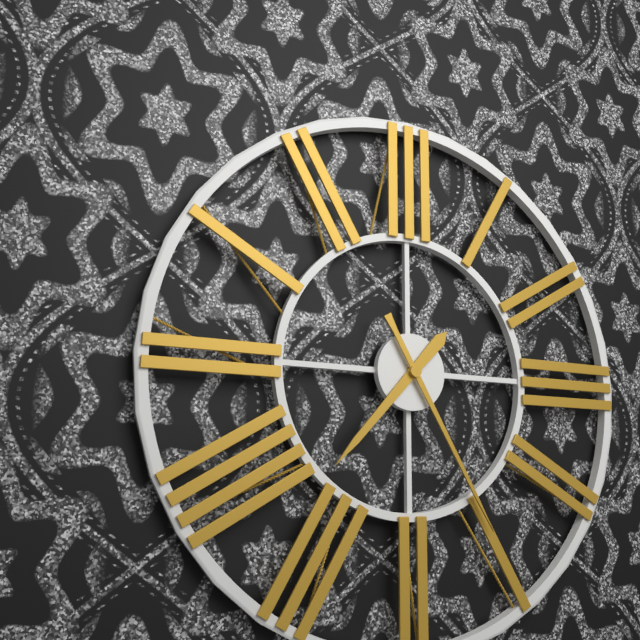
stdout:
{"hour": 7, "minute": 25}
